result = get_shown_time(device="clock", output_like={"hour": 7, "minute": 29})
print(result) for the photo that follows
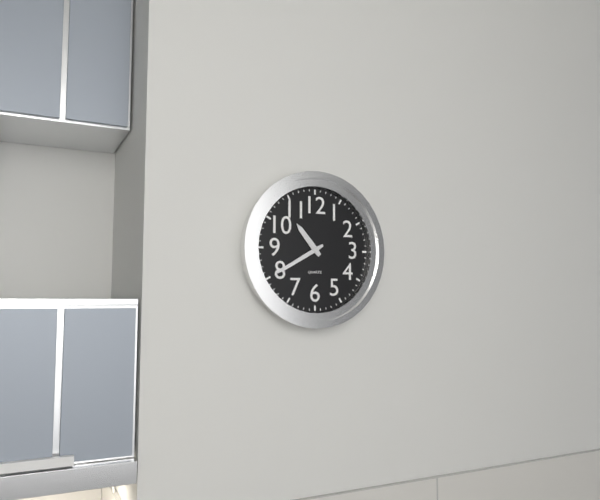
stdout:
{"hour": 10, "minute": 40}
